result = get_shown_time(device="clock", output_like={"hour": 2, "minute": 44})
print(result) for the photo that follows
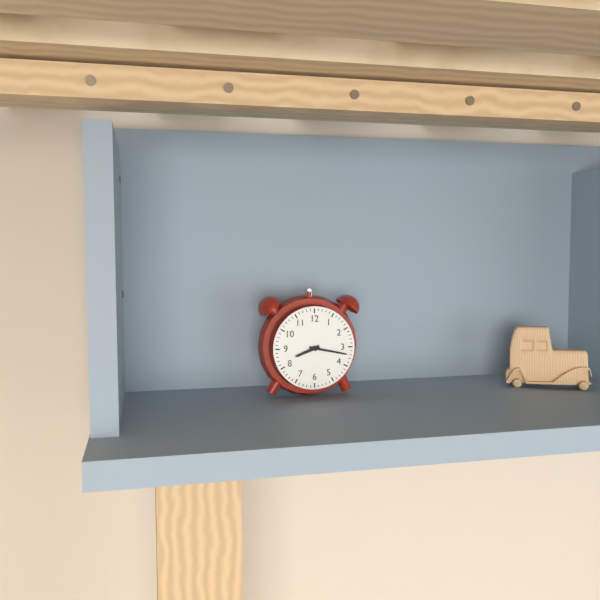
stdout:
{"hour": 8, "minute": 17}
